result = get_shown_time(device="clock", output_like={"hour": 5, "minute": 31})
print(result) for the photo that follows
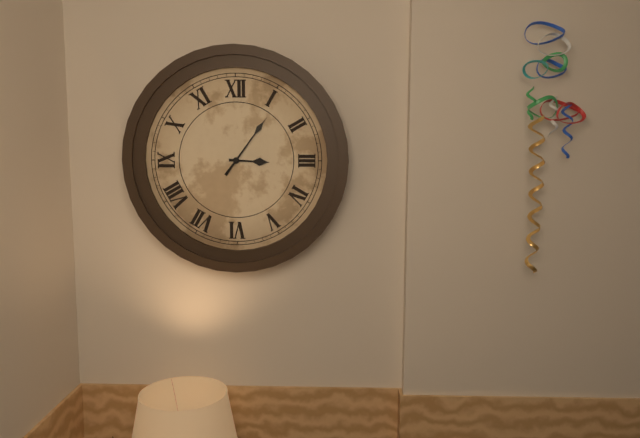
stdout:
{"hour": 3, "minute": 6}
